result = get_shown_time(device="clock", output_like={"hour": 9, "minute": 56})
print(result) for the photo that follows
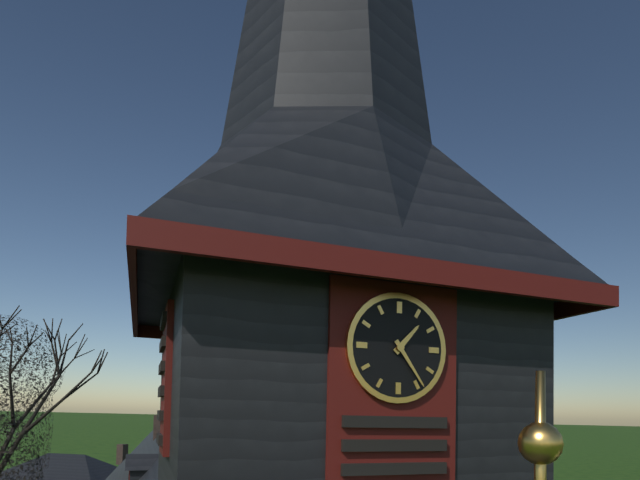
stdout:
{"hour": 1, "minute": 24}
